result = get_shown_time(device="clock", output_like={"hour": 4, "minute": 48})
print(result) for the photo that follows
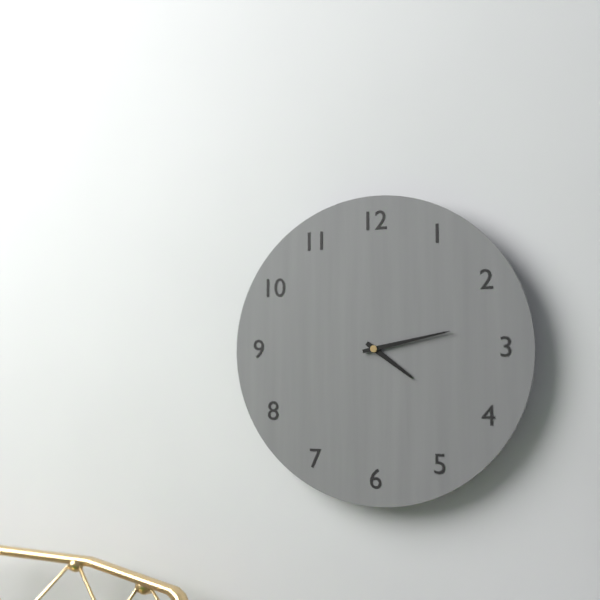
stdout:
{"hour": 4, "minute": 13}
